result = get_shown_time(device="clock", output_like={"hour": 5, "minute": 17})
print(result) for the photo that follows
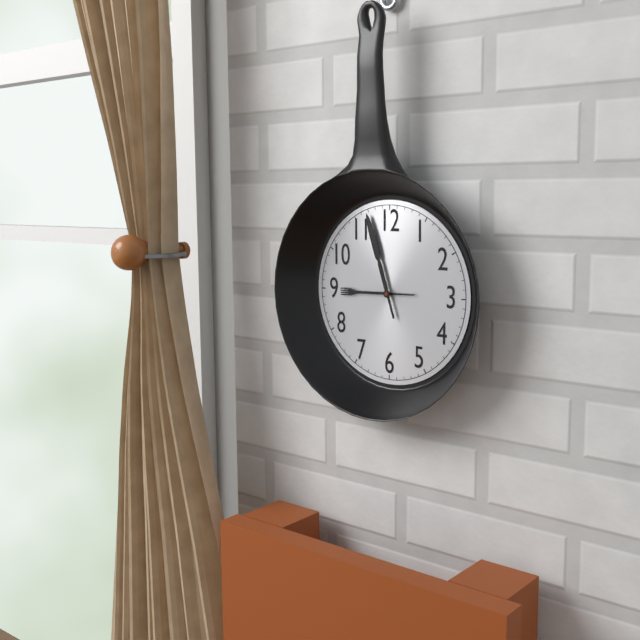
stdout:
{"hour": 8, "minute": 57}
